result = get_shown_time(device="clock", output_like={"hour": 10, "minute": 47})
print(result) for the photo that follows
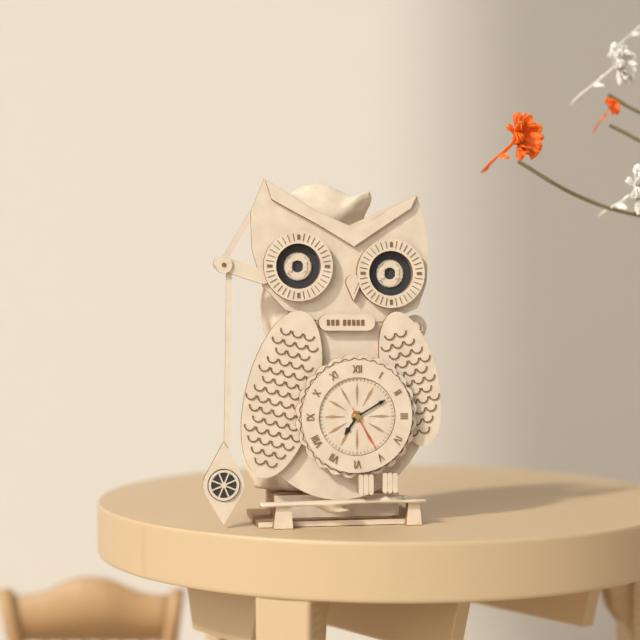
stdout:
{"hour": 7, "minute": 10}
